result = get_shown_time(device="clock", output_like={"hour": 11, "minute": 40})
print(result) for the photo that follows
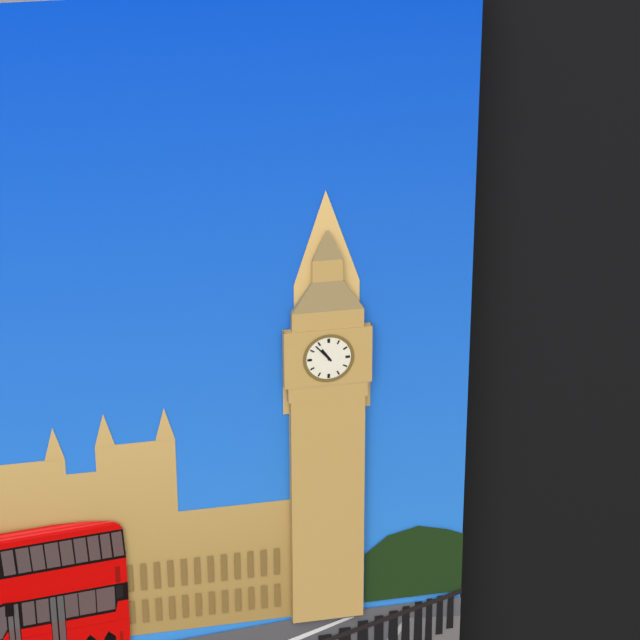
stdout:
{"hour": 10, "minute": 53}
